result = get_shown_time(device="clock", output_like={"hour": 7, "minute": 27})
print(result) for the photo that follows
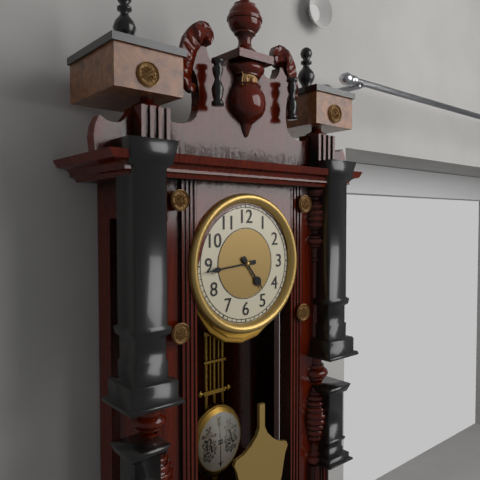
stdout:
{"hour": 4, "minute": 44}
